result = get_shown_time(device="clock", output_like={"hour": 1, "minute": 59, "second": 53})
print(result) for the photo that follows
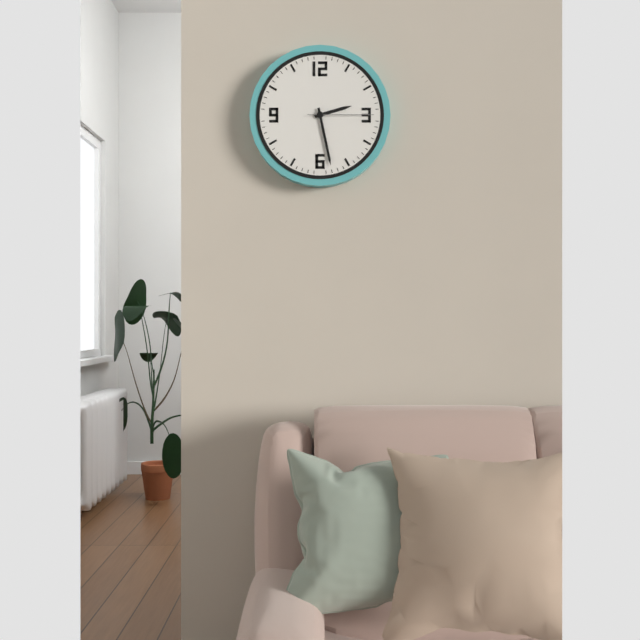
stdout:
{"hour": 2, "minute": 28, "second": 15}
